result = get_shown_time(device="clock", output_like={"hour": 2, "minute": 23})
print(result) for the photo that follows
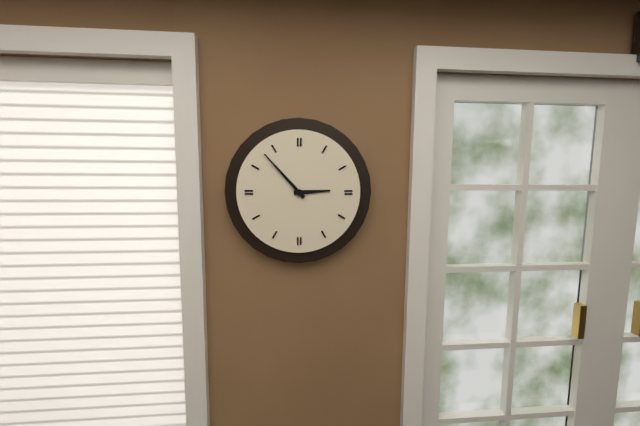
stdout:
{"hour": 2, "minute": 53}
